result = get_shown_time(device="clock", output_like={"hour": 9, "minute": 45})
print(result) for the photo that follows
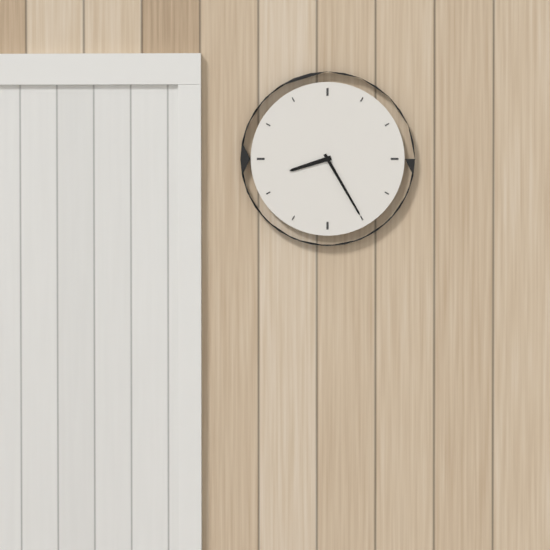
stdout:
{"hour": 8, "minute": 25}
